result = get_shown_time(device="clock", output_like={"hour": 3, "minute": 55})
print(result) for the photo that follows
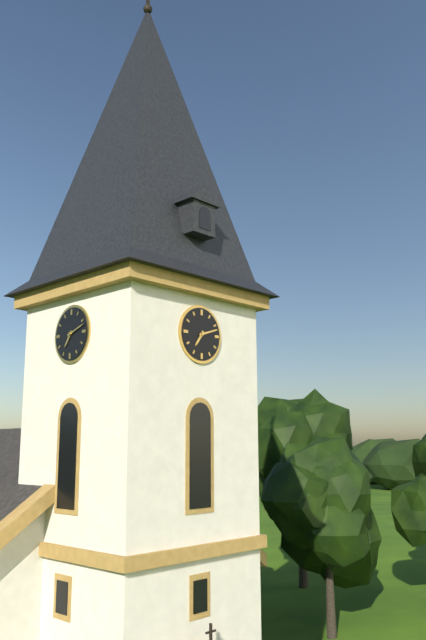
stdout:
{"hour": 7, "minute": 12}
